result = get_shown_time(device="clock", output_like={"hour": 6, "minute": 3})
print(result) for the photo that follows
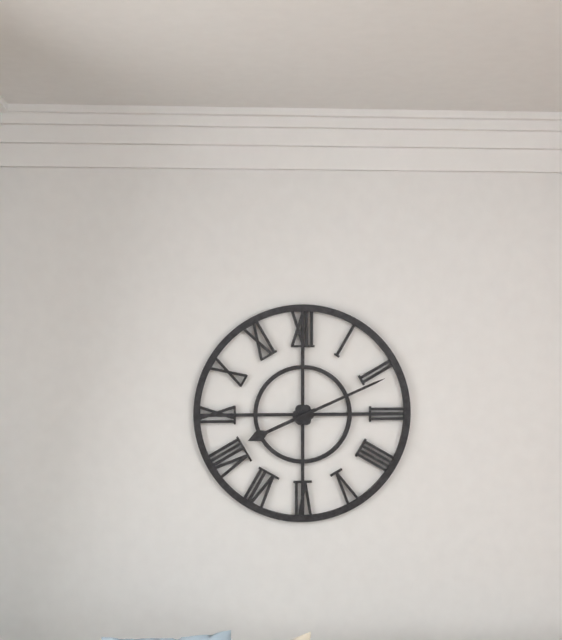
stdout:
{"hour": 8, "minute": 11}
